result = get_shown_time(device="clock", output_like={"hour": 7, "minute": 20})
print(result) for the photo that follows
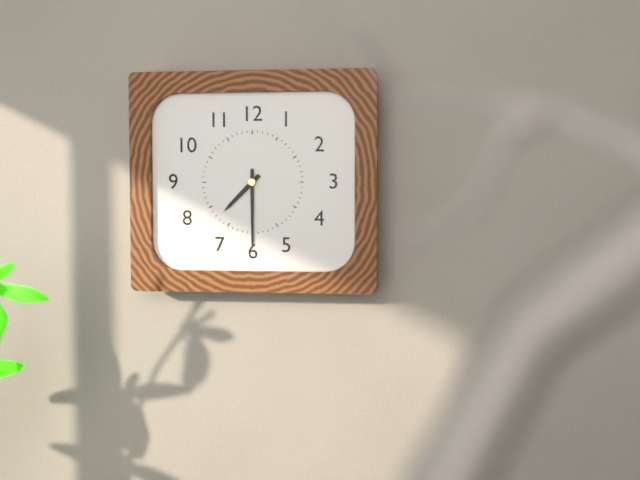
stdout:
{"hour": 7, "minute": 30}
